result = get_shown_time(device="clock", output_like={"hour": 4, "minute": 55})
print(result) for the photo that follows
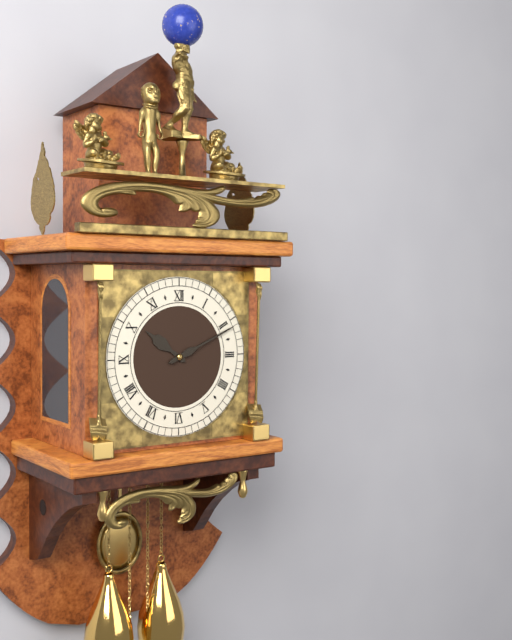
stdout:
{"hour": 10, "minute": 11}
